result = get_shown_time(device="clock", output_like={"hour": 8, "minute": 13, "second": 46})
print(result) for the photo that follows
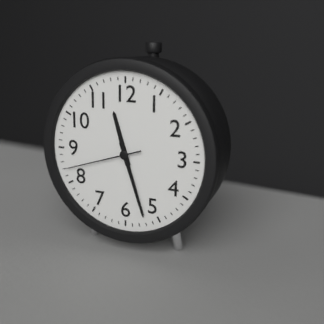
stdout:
{"hour": 11, "minute": 27, "second": 42}
